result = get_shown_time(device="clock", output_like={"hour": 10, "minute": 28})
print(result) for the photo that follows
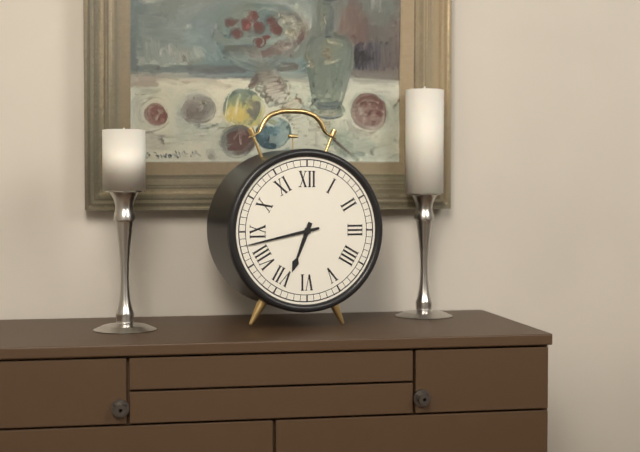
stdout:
{"hour": 6, "minute": 43}
